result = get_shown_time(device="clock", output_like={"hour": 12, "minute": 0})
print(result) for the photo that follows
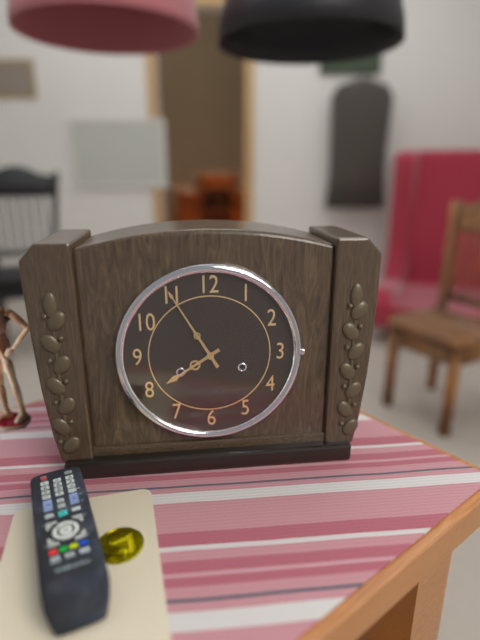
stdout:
{"hour": 7, "minute": 55}
